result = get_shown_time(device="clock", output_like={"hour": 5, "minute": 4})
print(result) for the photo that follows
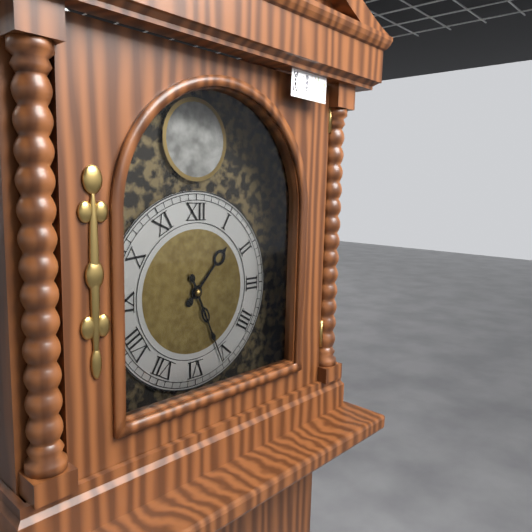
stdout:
{"hour": 1, "minute": 26}
